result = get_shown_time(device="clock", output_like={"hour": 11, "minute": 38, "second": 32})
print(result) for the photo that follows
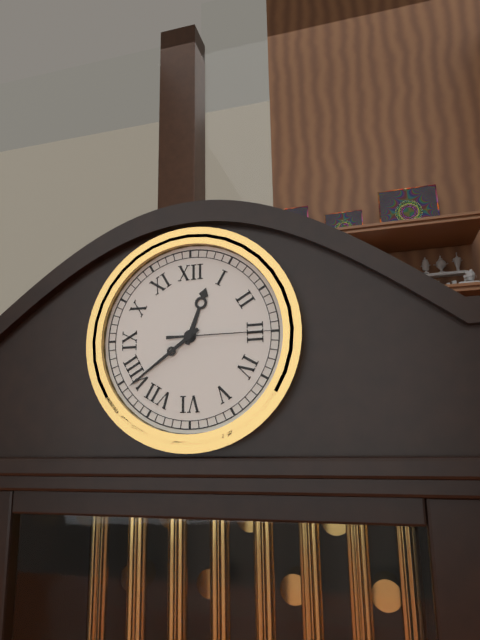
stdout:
{"hour": 12, "minute": 39, "second": 15}
